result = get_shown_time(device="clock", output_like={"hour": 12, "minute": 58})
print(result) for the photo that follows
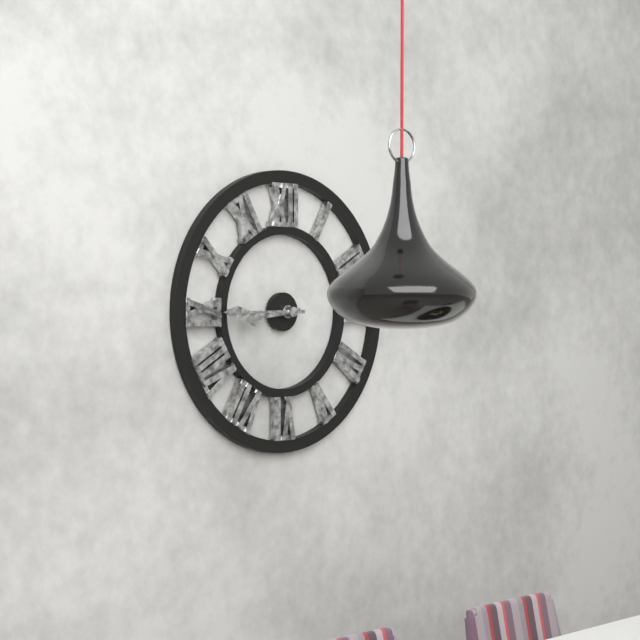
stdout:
{"hour": 8, "minute": 45}
